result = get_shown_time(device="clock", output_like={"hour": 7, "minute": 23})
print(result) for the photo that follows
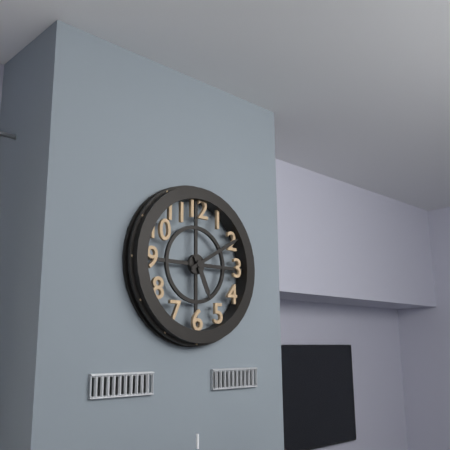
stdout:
{"hour": 5, "minute": 10}
